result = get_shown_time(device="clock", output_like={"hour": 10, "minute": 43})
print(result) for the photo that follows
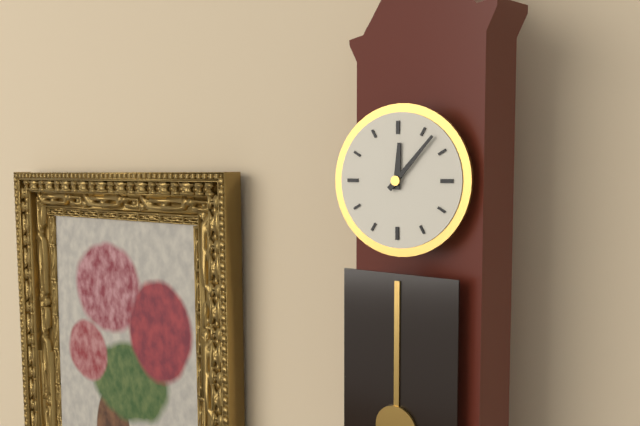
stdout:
{"hour": 12, "minute": 7}
